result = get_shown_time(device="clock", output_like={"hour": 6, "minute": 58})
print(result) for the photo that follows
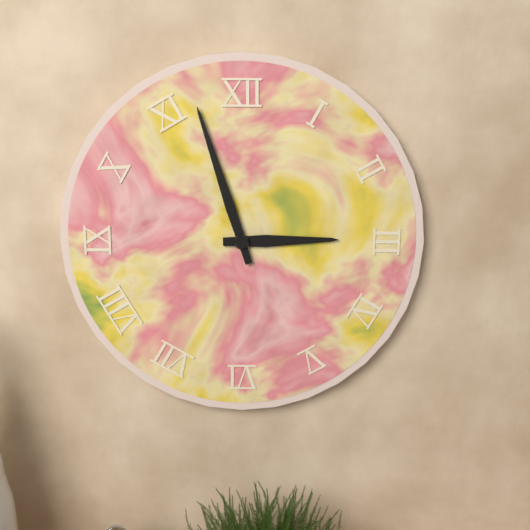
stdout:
{"hour": 2, "minute": 57}
